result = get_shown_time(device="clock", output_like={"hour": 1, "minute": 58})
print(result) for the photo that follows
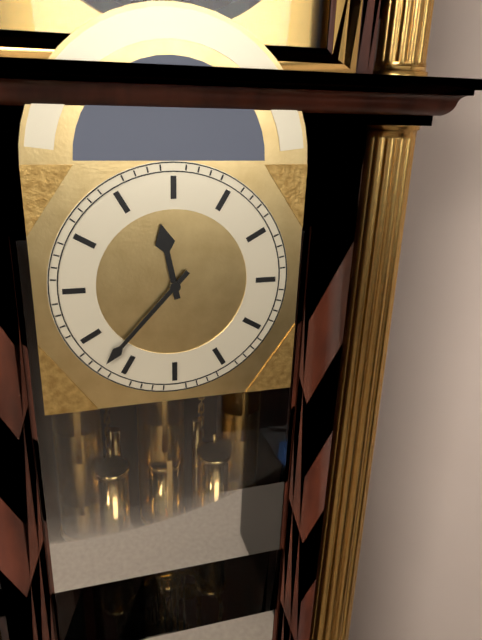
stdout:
{"hour": 11, "minute": 37}
